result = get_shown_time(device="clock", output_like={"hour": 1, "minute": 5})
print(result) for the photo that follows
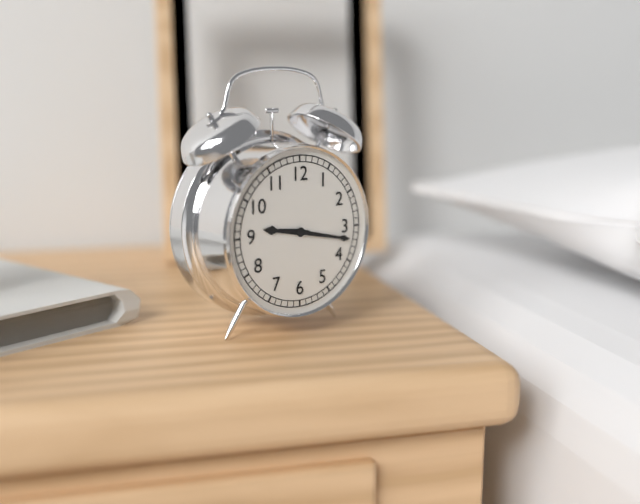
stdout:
{"hour": 9, "minute": 17}
